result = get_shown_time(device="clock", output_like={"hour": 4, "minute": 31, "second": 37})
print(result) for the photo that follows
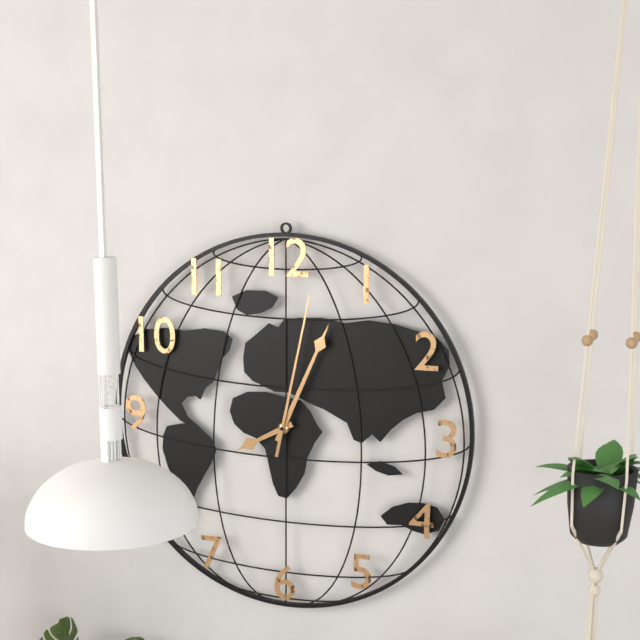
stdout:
{"hour": 8, "minute": 4, "second": 2}
